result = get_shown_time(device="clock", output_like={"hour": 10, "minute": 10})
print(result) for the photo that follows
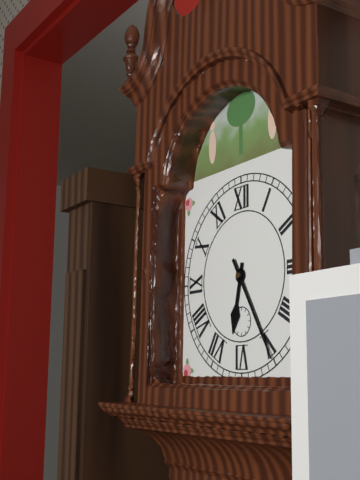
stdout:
{"hour": 6, "minute": 25}
